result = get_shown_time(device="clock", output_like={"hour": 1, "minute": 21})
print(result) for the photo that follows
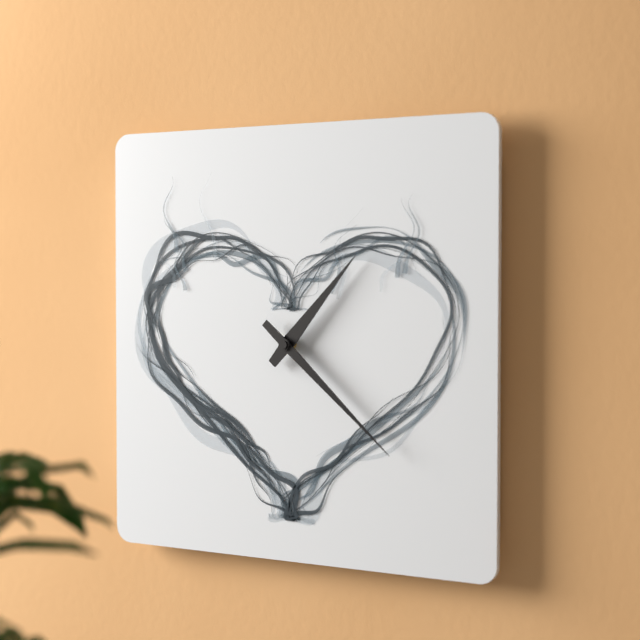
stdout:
{"hour": 1, "minute": 22}
